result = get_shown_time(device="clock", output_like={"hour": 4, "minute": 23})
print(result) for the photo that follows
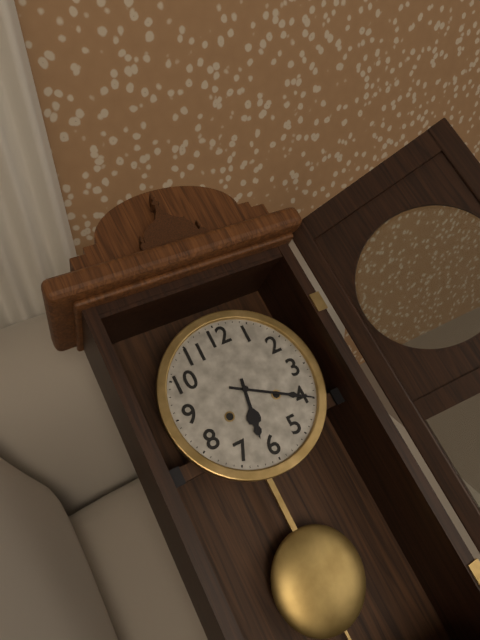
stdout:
{"hour": 6, "minute": 20}
